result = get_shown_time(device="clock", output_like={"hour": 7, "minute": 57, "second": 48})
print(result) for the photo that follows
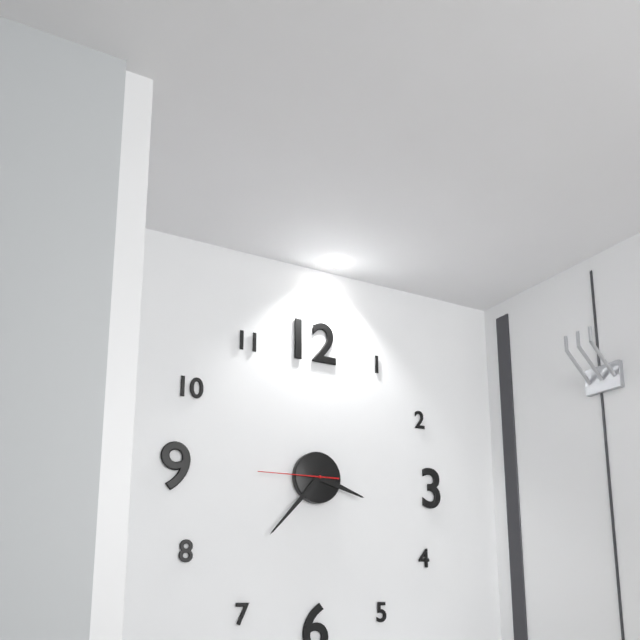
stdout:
{"hour": 3, "minute": 37, "second": 45}
